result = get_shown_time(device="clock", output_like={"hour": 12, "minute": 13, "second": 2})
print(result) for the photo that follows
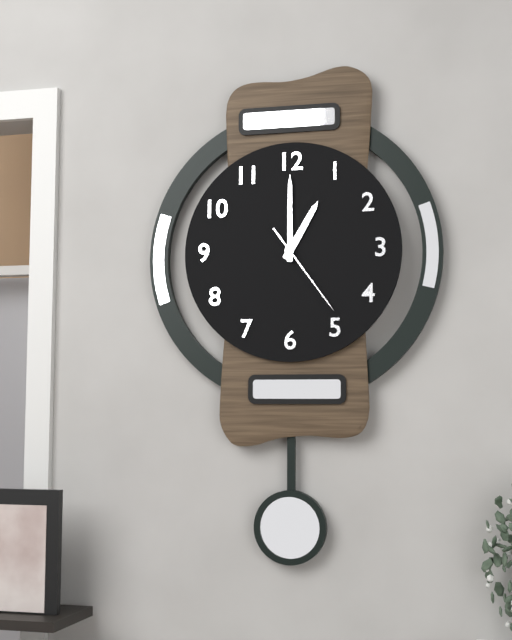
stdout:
{"hour": 1, "minute": 0, "second": 24}
